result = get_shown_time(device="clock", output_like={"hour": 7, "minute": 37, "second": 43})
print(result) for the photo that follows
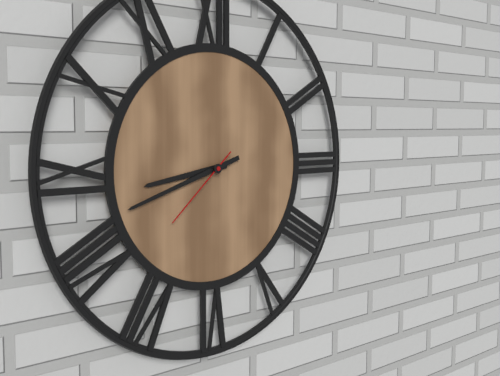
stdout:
{"hour": 8, "minute": 42, "second": 38}
